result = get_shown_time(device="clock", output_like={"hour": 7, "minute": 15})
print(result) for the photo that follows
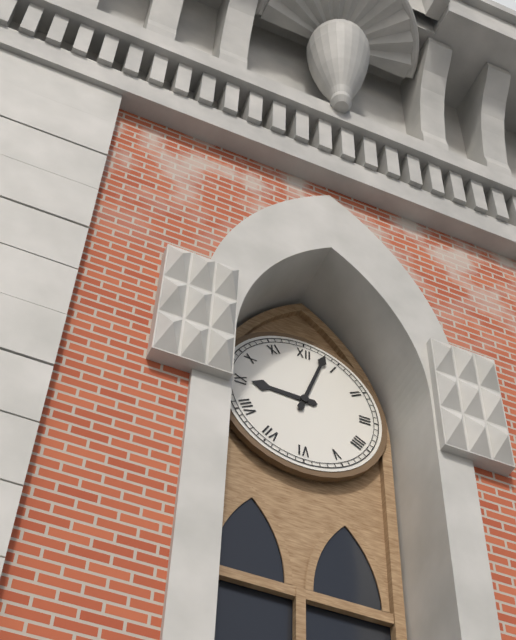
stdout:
{"hour": 9, "minute": 3}
